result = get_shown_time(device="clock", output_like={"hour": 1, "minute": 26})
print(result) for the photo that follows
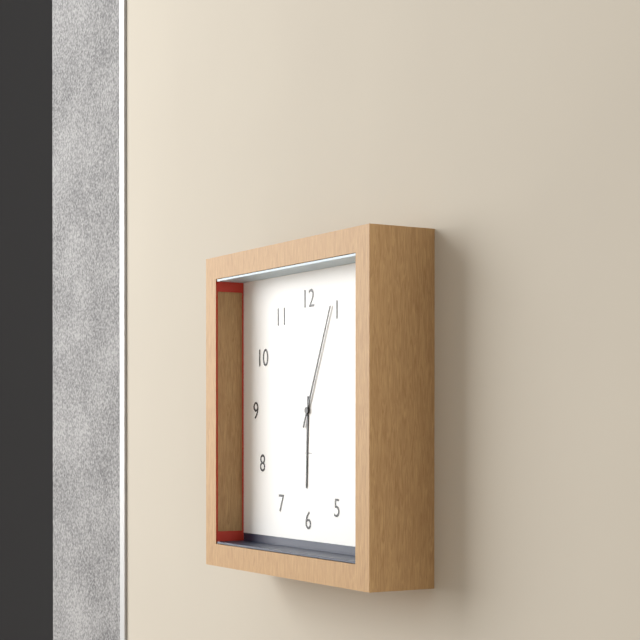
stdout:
{"hour": 6, "minute": 4}
